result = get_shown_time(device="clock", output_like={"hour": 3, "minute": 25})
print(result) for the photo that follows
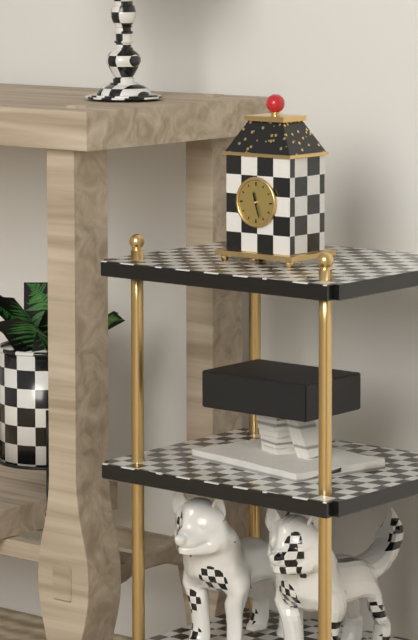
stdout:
{"hour": 11, "minute": 27}
